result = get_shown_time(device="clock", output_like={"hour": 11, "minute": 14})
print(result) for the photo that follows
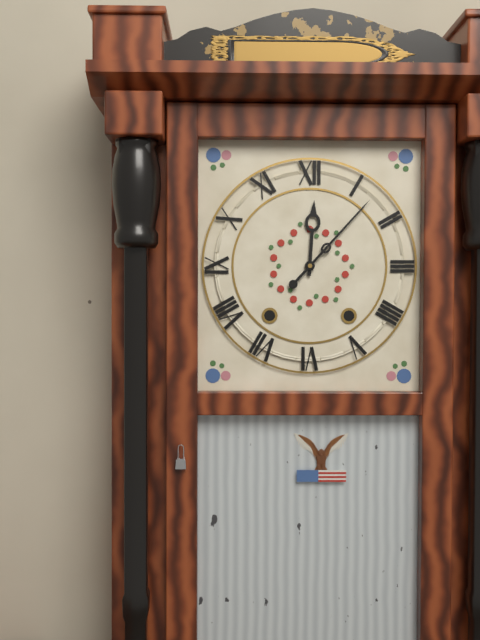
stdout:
{"hour": 12, "minute": 7}
